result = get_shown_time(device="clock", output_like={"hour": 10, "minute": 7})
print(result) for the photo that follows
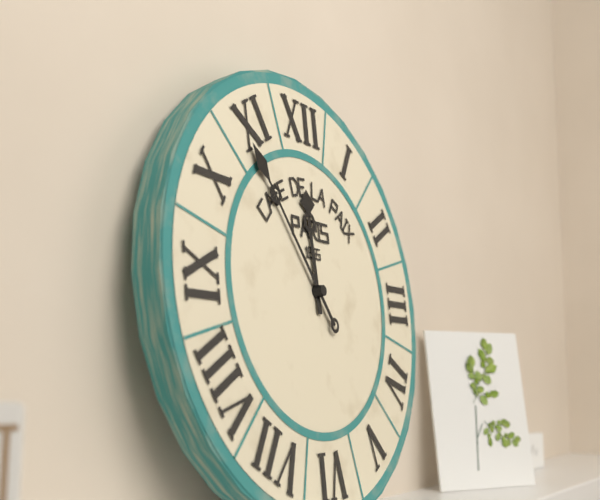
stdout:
{"hour": 11, "minute": 54}
